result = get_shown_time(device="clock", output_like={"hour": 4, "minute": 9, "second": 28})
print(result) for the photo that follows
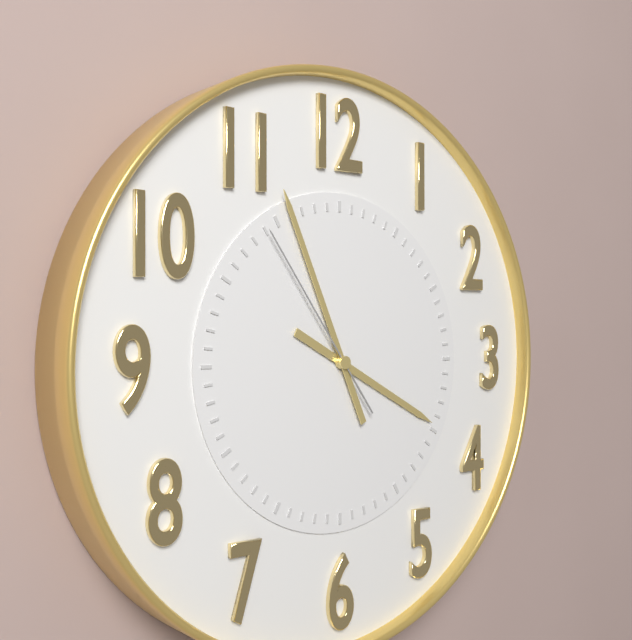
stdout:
{"hour": 3, "minute": 56, "second": 54}
